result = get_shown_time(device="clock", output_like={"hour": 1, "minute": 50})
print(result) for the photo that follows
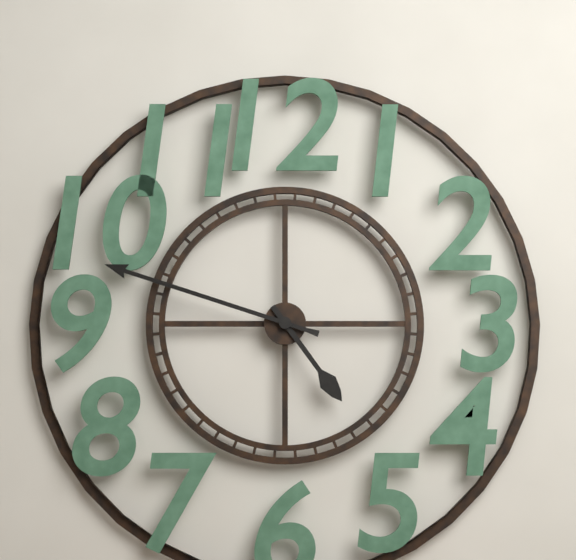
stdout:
{"hour": 4, "minute": 48}
